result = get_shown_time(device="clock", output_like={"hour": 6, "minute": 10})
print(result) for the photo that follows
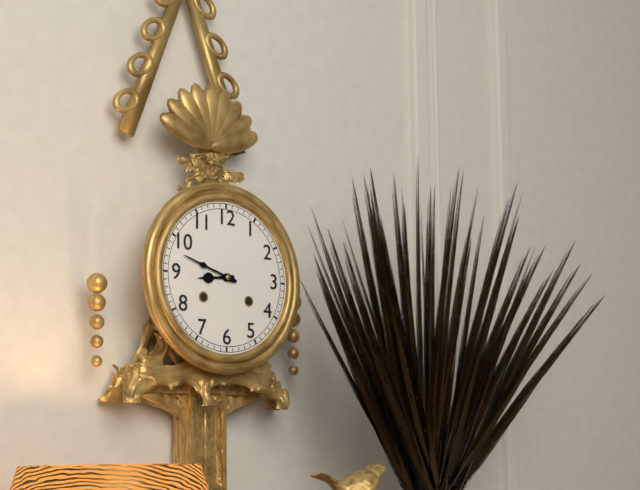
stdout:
{"hour": 8, "minute": 48}
